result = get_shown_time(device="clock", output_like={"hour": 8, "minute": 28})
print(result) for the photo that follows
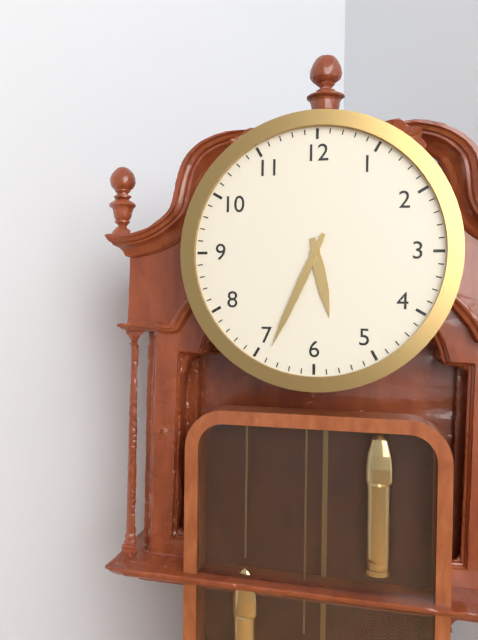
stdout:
{"hour": 5, "minute": 34}
